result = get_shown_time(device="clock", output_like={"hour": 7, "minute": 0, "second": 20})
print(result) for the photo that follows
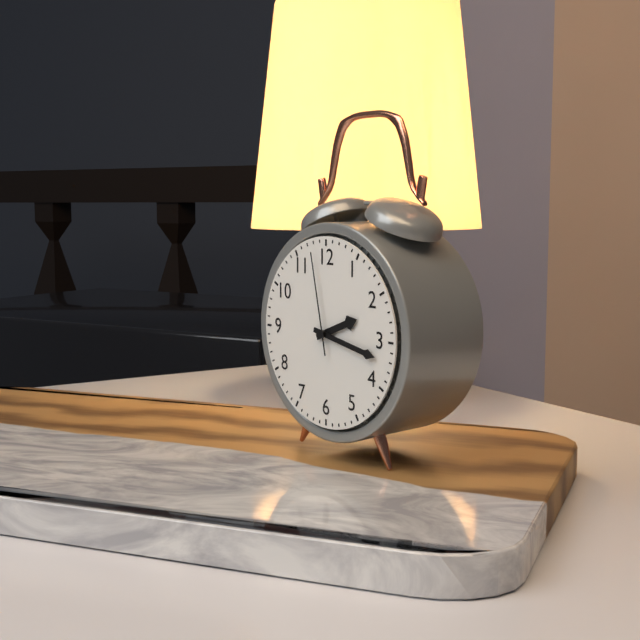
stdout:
{"hour": 2, "minute": 17, "second": 58}
